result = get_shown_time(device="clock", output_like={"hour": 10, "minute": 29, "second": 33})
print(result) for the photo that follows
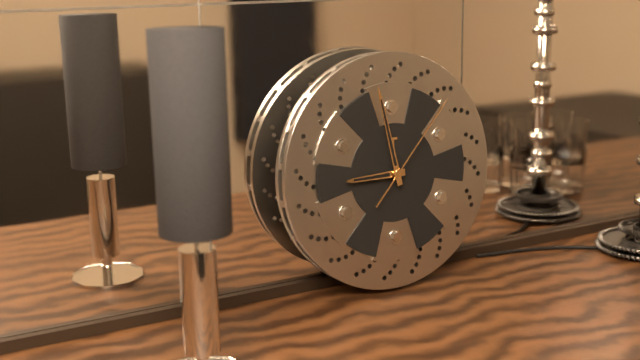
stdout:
{"hour": 8, "minute": 58, "second": 7}
